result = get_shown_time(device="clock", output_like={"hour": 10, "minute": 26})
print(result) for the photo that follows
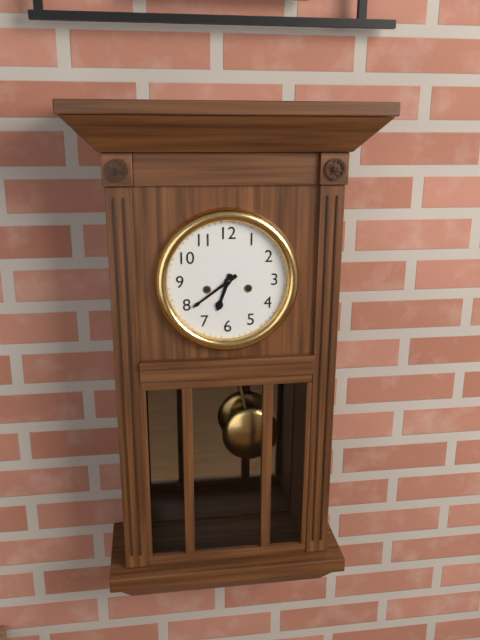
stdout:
{"hour": 6, "minute": 39}
